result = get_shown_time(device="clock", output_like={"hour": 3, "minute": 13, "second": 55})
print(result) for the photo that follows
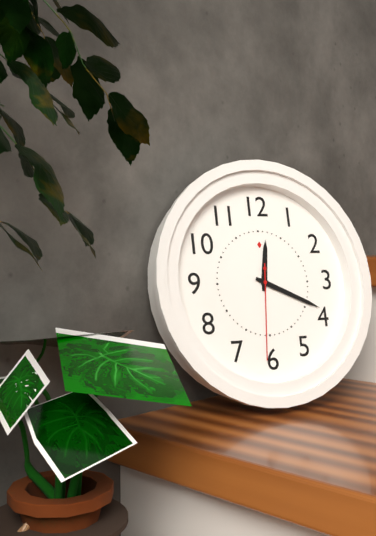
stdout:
{"hour": 12, "minute": 19, "second": 31}
